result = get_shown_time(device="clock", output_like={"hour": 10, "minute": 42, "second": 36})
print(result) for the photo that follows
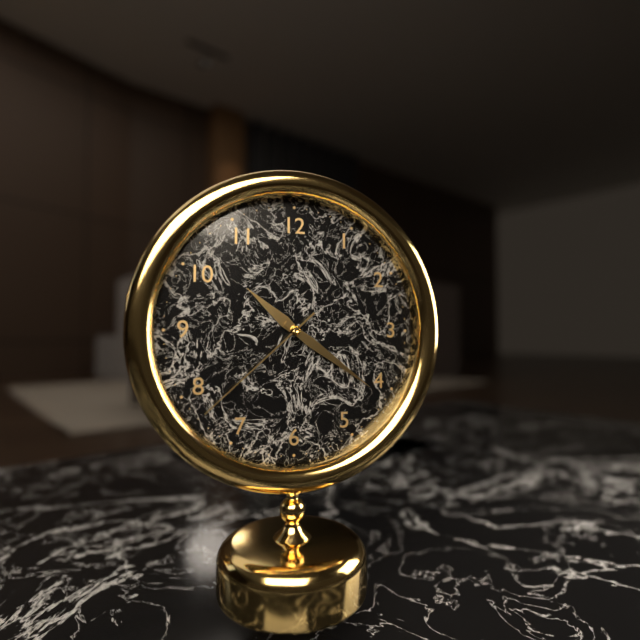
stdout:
{"hour": 10, "minute": 21, "second": 38}
